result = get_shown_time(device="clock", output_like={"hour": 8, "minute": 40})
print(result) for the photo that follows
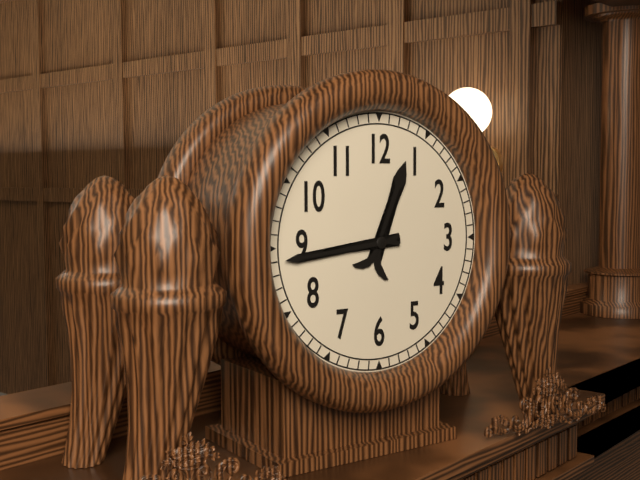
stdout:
{"hour": 12, "minute": 44}
